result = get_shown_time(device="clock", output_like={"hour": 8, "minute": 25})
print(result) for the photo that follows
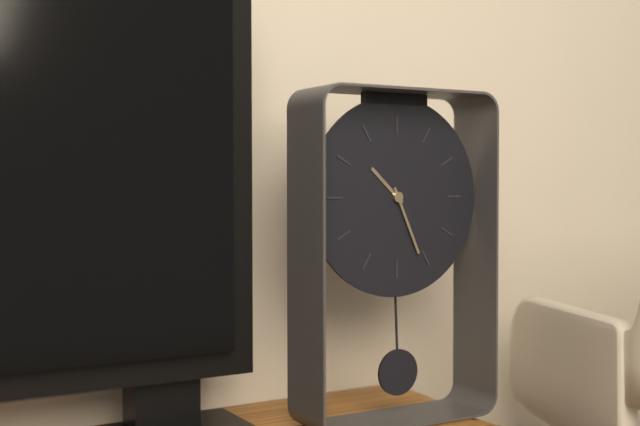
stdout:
{"hour": 10, "minute": 26}
